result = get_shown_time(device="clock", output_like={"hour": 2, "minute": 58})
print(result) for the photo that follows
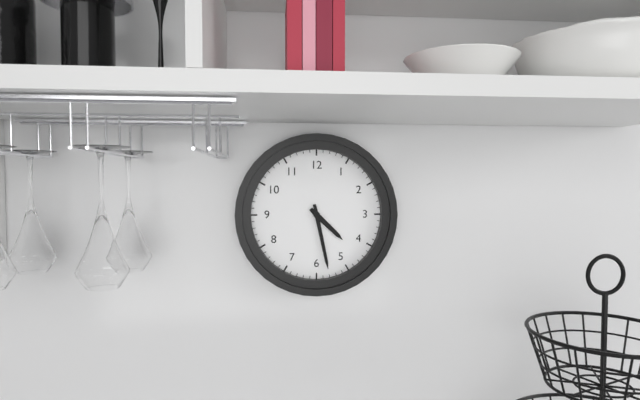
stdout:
{"hour": 4, "minute": 28}
